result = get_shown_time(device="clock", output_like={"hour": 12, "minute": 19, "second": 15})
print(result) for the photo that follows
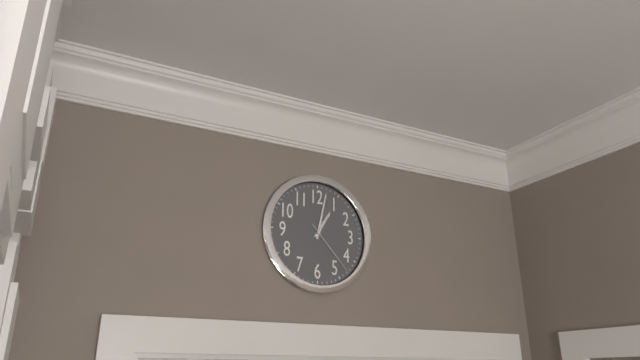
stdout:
{"hour": 1, "minute": 2, "second": 23}
